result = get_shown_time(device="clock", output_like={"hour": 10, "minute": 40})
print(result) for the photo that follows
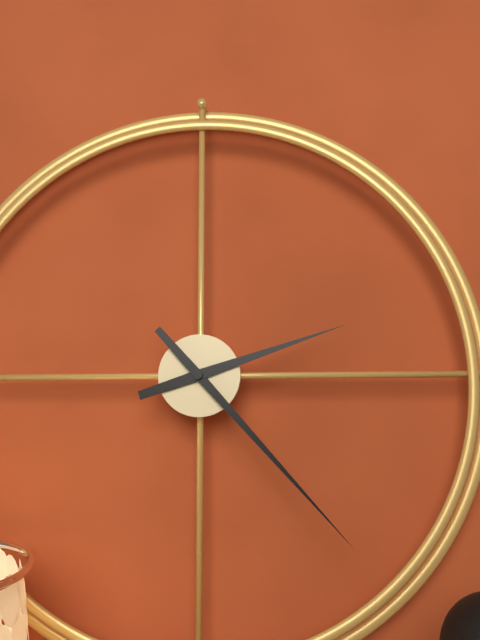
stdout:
{"hour": 2, "minute": 23}
